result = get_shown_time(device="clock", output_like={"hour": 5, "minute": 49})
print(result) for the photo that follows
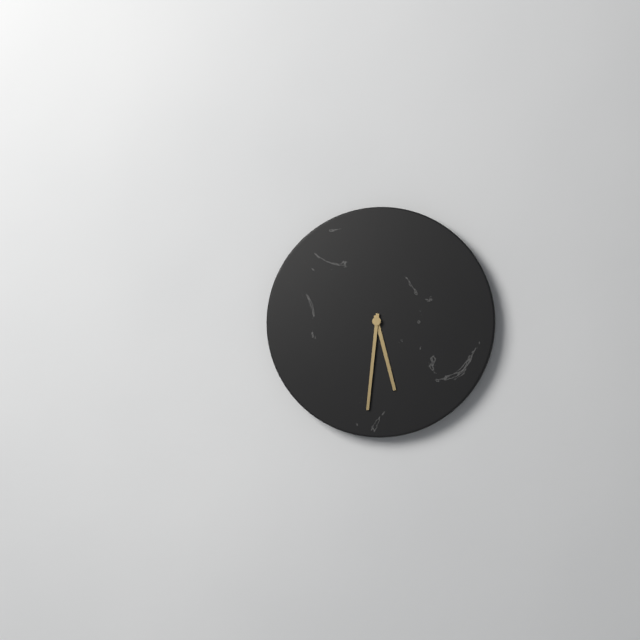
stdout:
{"hour": 5, "minute": 31}
